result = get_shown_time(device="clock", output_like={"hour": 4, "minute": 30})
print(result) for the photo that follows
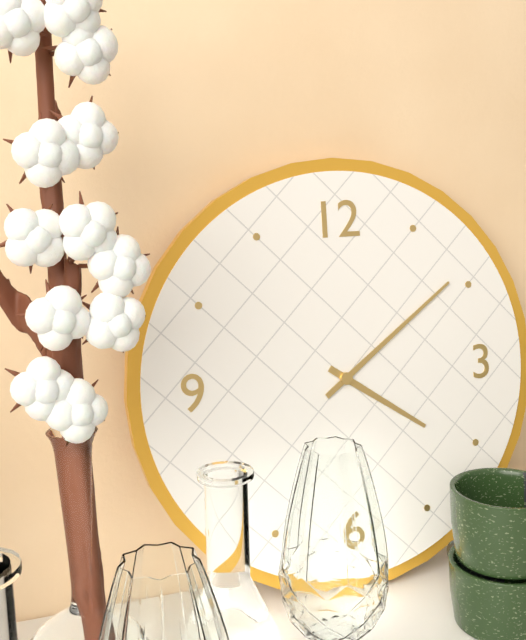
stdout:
{"hour": 4, "minute": 9}
